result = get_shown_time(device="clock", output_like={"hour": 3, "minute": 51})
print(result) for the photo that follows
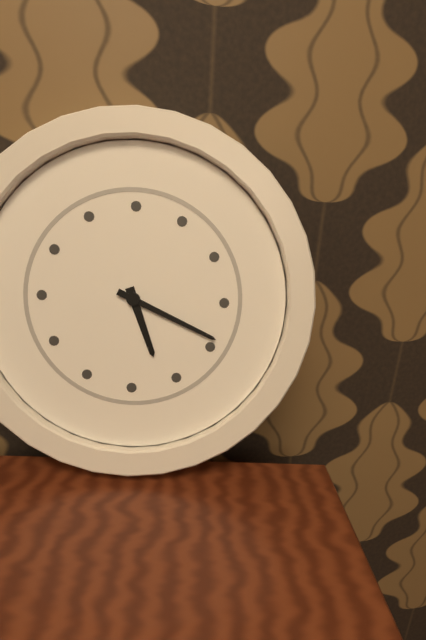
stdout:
{"hour": 5, "minute": 19}
